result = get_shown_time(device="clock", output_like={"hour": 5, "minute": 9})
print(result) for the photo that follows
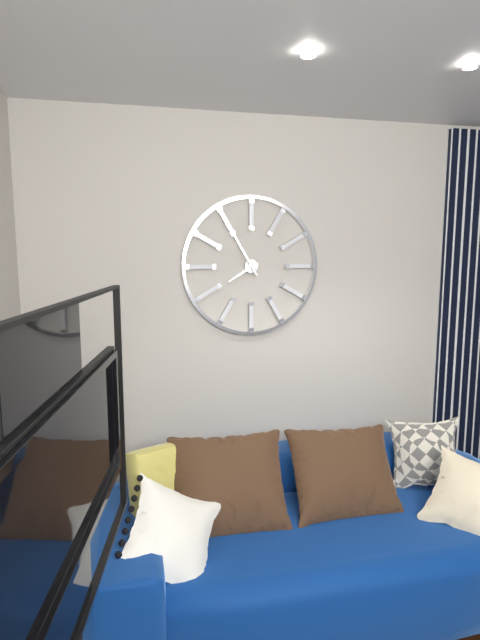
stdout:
{"hour": 7, "minute": 55}
